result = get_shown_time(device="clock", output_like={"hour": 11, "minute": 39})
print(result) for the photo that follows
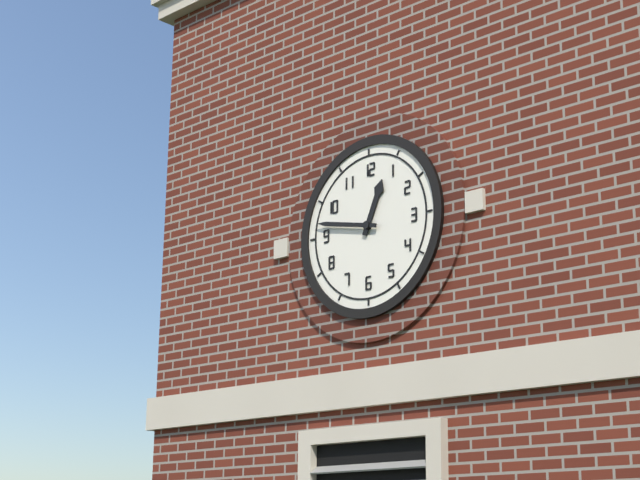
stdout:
{"hour": 12, "minute": 47}
